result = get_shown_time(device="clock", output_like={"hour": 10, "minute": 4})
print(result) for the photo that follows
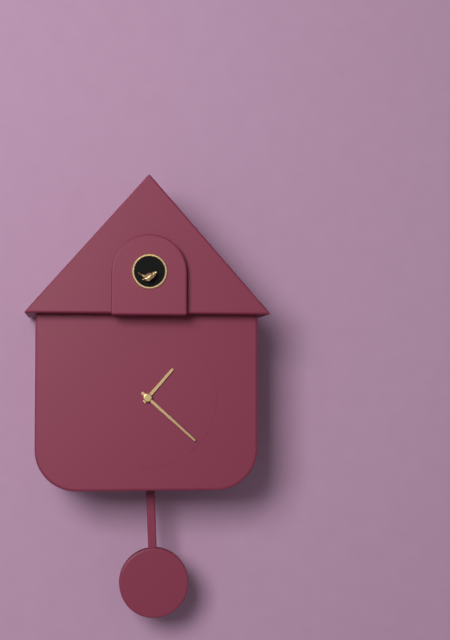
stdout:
{"hour": 1, "minute": 22}
